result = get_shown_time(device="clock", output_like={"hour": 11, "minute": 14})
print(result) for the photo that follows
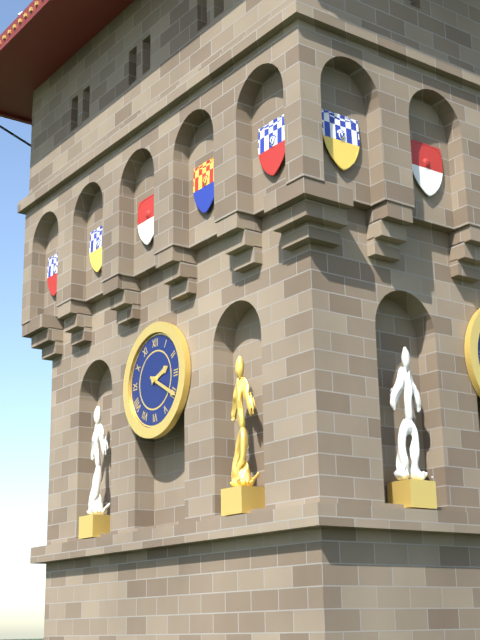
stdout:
{"hour": 2, "minute": 20}
